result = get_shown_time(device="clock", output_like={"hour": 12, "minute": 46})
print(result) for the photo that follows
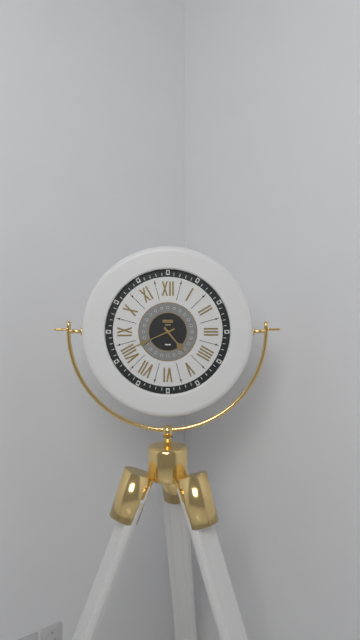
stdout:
{"hour": 4, "minute": 41}
